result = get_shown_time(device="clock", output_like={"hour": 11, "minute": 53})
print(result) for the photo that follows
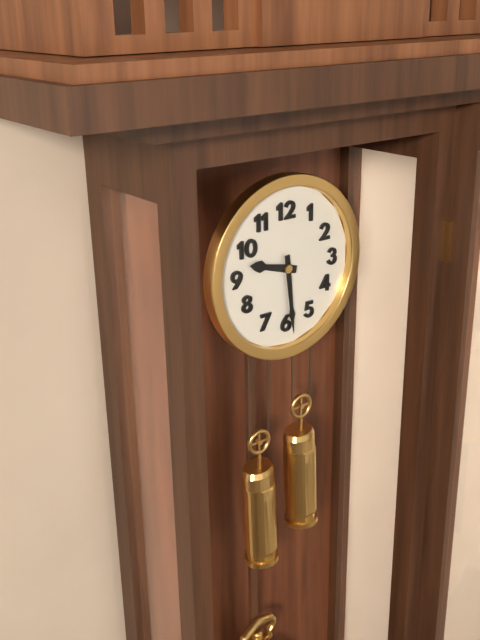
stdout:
{"hour": 9, "minute": 29}
